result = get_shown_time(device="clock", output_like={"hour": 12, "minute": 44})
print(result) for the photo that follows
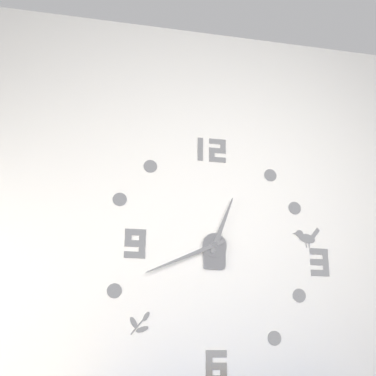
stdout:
{"hour": 12, "minute": 41}
